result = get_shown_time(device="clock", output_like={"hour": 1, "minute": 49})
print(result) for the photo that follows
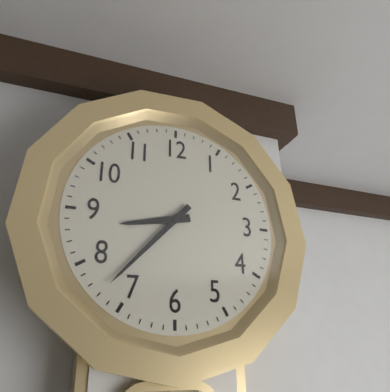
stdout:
{"hour": 8, "minute": 37}
